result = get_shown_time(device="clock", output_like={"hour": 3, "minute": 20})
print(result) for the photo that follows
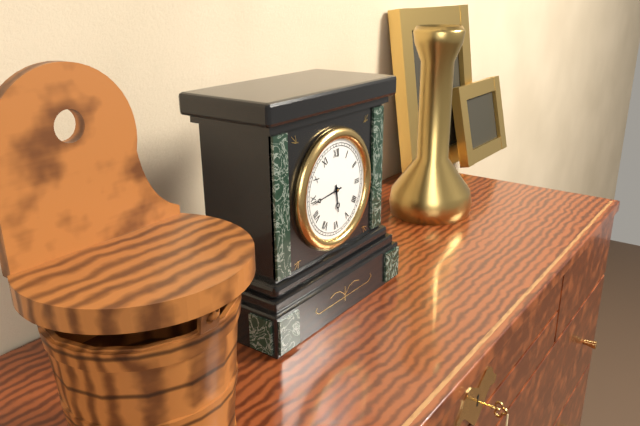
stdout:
{"hour": 5, "minute": 44}
